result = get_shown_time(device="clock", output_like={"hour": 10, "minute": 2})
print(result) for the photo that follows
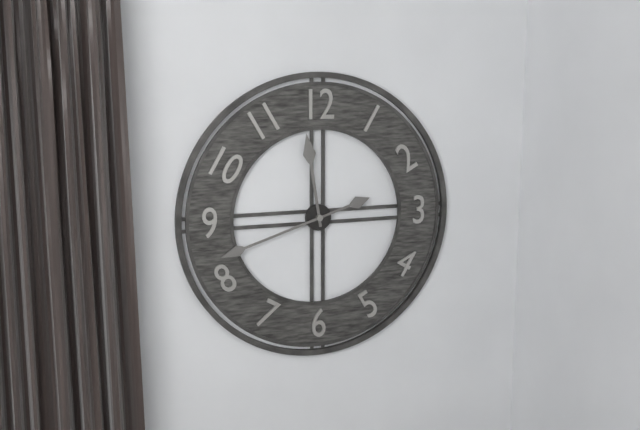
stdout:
{"hour": 11, "minute": 42}
